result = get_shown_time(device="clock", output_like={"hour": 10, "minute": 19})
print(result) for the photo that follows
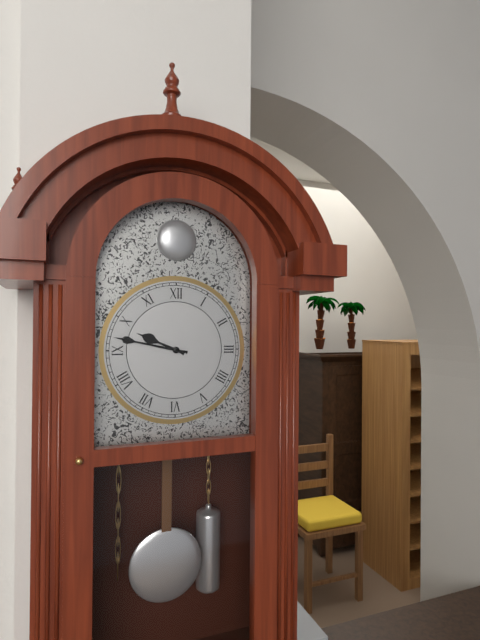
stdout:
{"hour": 9, "minute": 47}
